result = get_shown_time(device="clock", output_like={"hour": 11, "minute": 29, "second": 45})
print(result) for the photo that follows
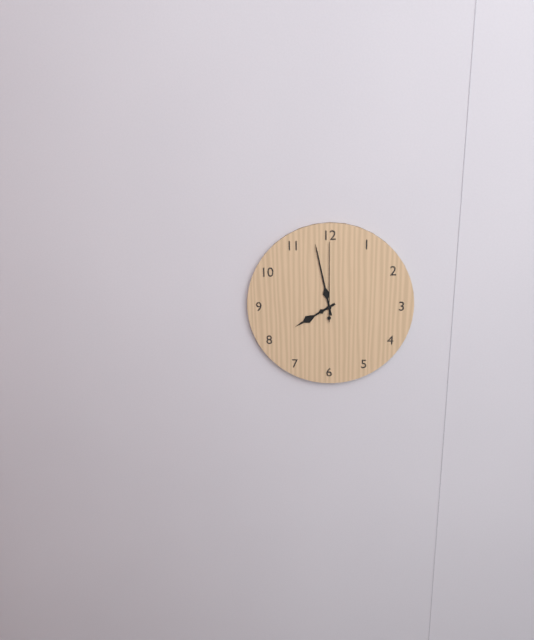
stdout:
{"hour": 7, "minute": 58, "second": 0}
